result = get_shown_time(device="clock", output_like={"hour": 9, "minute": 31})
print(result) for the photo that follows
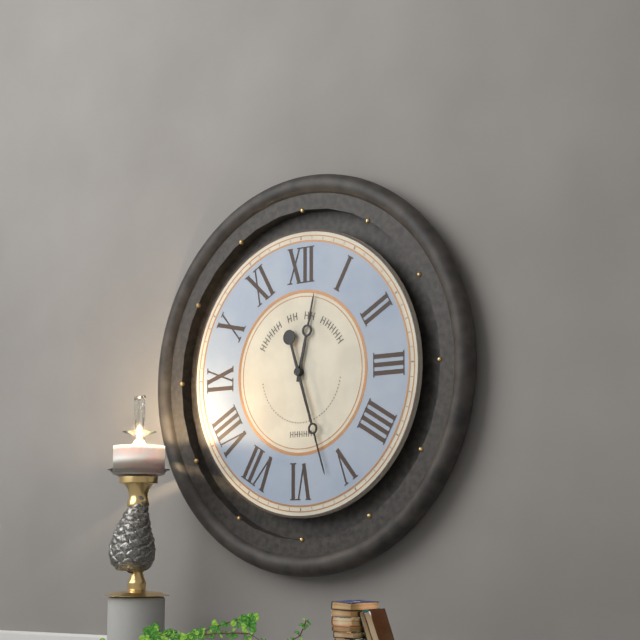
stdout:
{"hour": 12, "minute": 27}
